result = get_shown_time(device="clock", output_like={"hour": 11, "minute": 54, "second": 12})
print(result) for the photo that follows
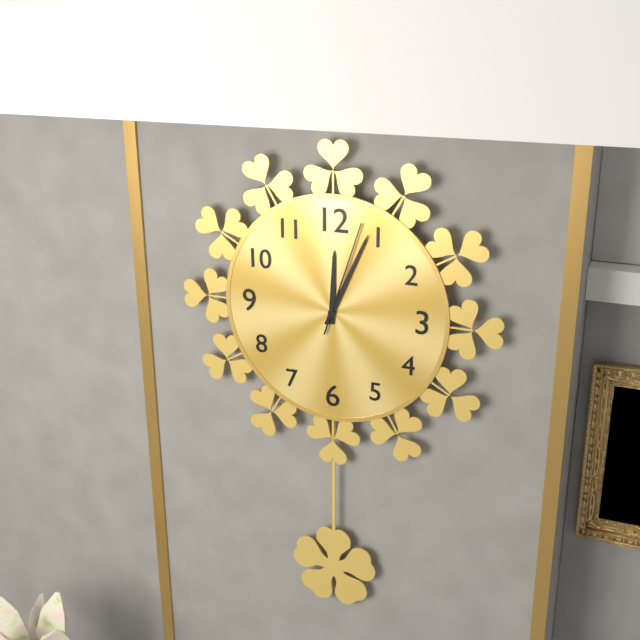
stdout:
{"hour": 12, "minute": 4, "second": 3}
